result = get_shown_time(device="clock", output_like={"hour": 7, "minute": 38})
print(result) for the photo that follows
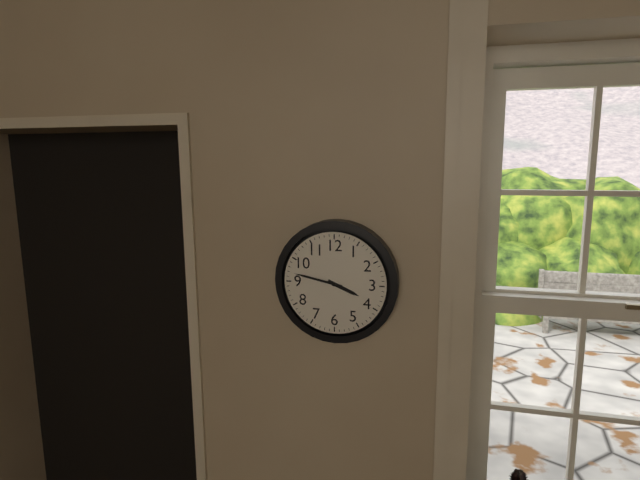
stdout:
{"hour": 3, "minute": 47}
